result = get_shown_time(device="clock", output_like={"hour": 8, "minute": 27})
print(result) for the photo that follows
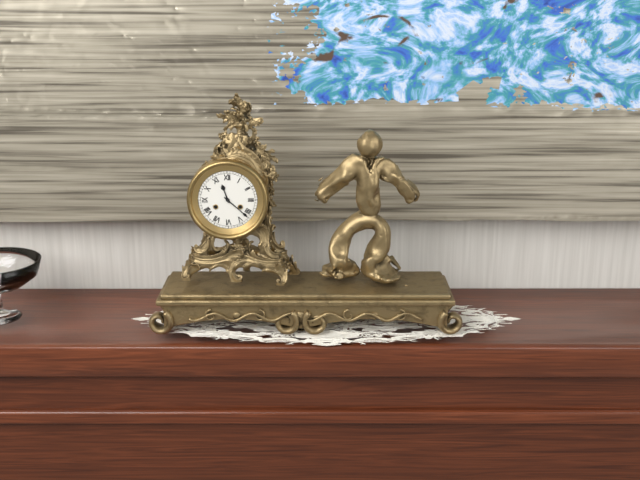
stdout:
{"hour": 11, "minute": 22}
